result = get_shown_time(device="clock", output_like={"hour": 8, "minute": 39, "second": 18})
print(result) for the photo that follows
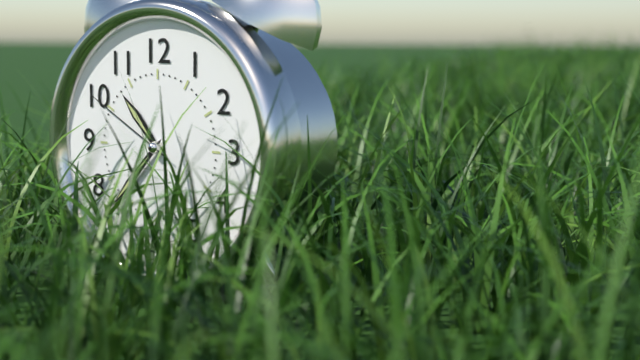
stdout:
{"hour": 10, "minute": 37, "second": 50}
